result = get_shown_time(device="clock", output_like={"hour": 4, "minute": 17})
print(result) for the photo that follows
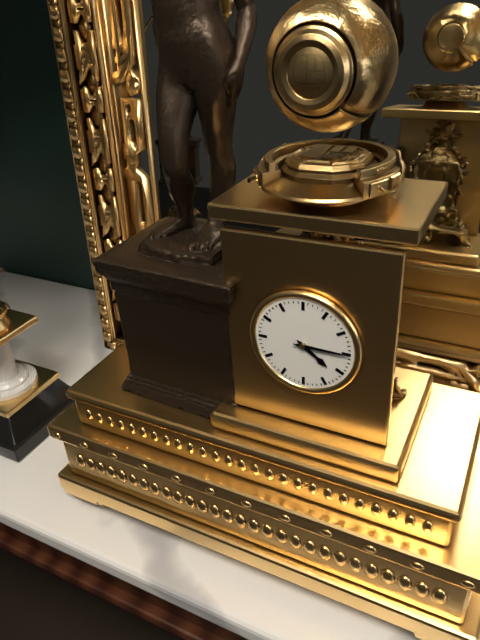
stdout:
{"hour": 4, "minute": 15}
